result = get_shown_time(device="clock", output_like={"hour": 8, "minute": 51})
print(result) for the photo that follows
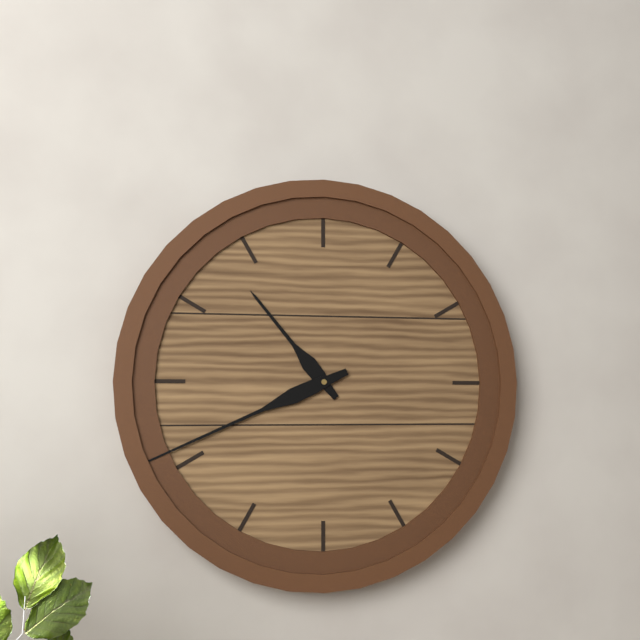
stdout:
{"hour": 10, "minute": 41}
